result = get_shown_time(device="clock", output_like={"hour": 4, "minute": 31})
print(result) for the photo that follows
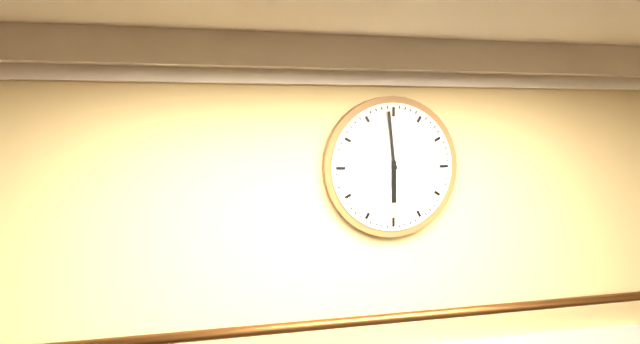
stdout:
{"hour": 5, "minute": 59}
